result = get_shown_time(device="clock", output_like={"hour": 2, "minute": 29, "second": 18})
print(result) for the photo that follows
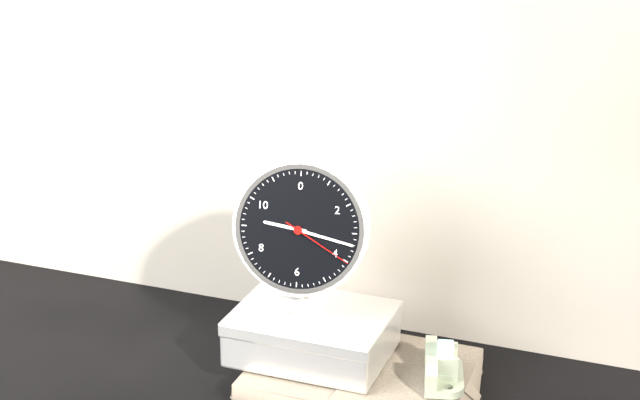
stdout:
{"hour": 9, "minute": 17, "second": 20}
